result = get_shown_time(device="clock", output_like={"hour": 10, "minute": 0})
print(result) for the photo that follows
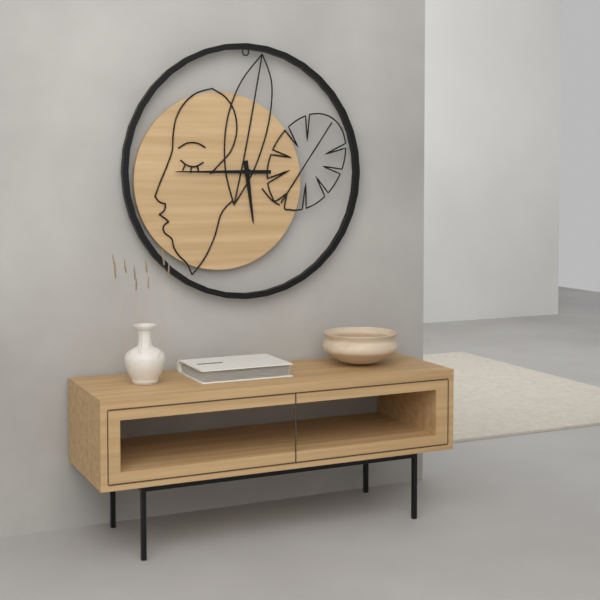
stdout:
{"hour": 5, "minute": 45}
